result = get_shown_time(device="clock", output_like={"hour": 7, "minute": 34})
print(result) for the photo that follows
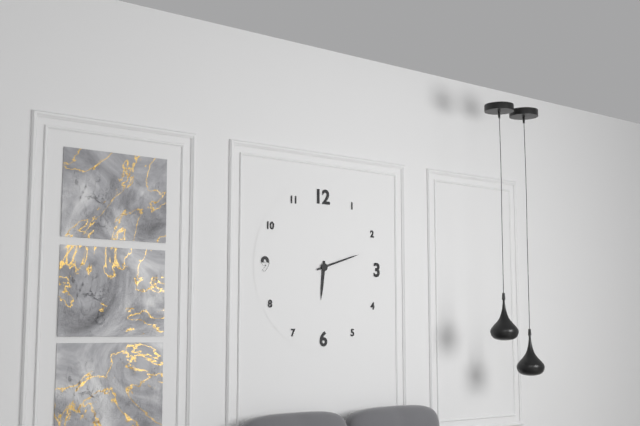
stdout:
{"hour": 6, "minute": 12}
